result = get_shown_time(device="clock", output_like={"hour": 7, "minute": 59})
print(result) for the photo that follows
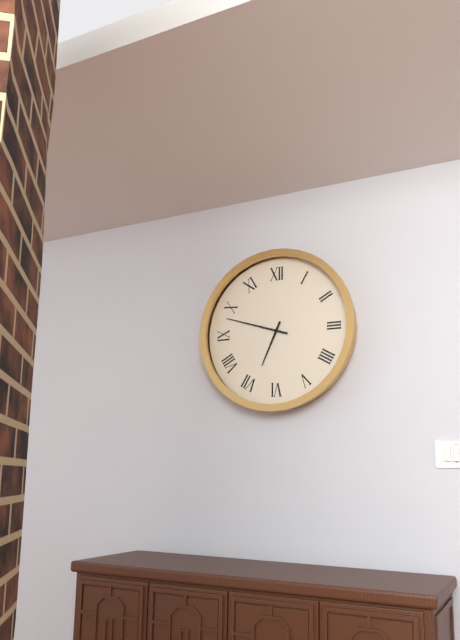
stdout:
{"hour": 6, "minute": 48}
